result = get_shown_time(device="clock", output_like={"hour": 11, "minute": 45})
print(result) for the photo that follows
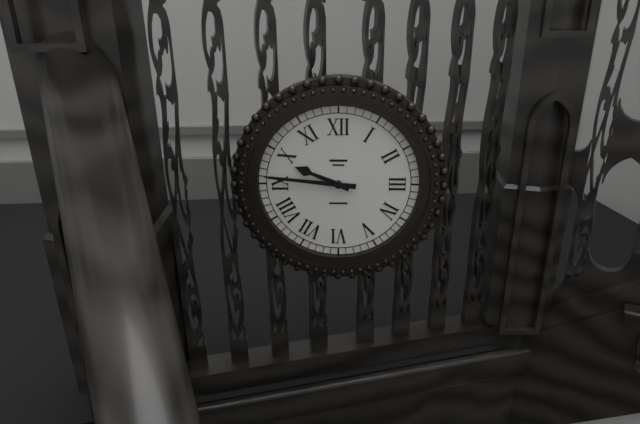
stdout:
{"hour": 9, "minute": 46}
